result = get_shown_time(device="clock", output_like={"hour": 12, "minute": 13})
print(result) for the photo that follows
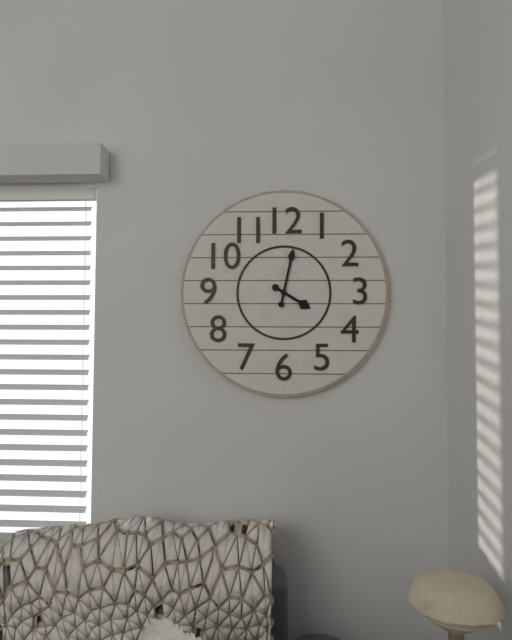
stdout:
{"hour": 4, "minute": 2}
